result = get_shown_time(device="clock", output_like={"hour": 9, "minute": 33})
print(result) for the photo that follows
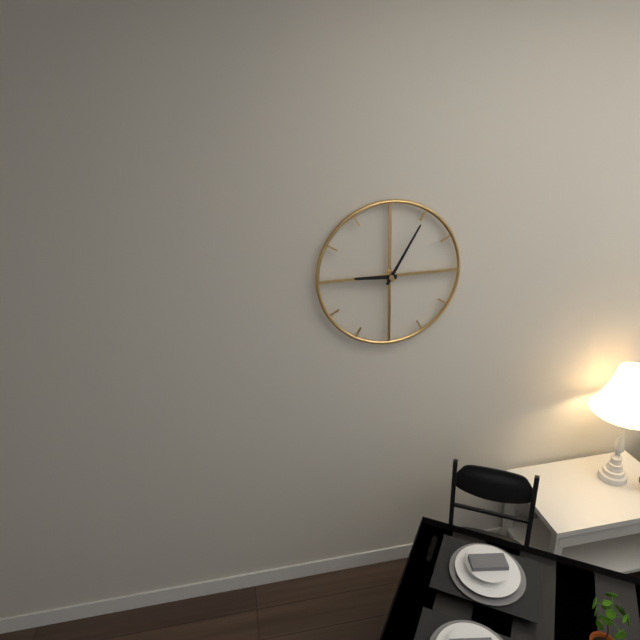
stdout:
{"hour": 9, "minute": 5}
